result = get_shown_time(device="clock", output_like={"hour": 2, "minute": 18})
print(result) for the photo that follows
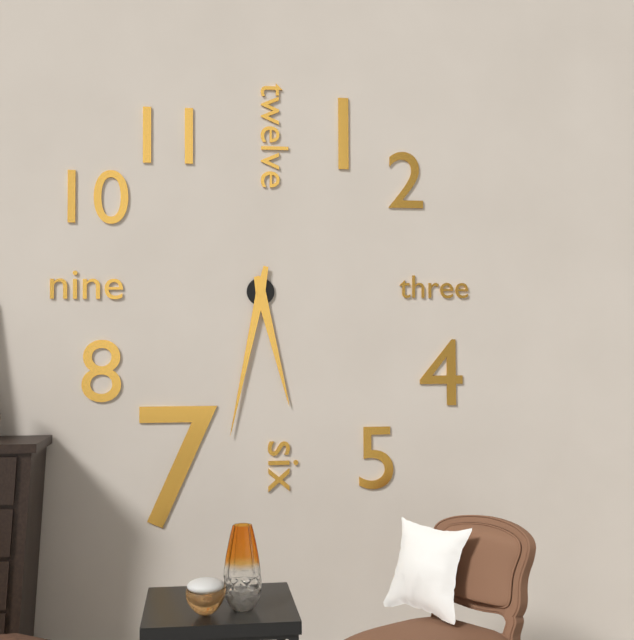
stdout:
{"hour": 5, "minute": 32}
